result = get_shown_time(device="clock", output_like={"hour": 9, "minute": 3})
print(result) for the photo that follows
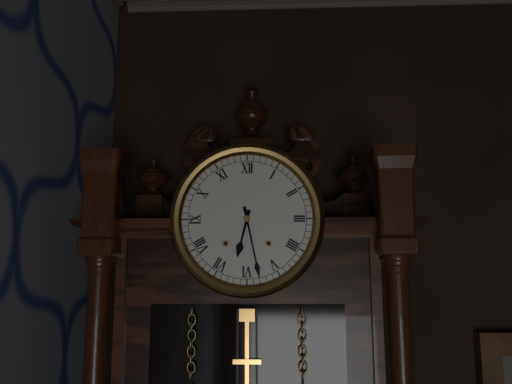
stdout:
{"hour": 6, "minute": 28}
